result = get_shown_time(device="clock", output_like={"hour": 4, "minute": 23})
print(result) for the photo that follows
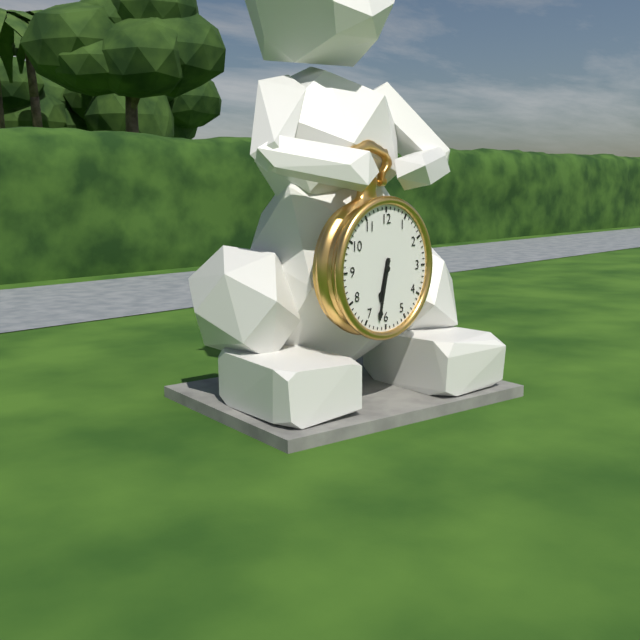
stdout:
{"hour": 6, "minute": 32}
